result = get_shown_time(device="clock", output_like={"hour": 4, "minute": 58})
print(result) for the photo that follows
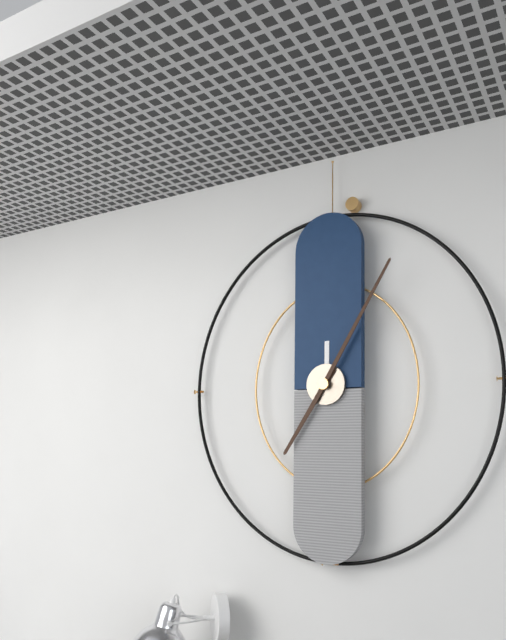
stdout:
{"hour": 7, "minute": 5}
